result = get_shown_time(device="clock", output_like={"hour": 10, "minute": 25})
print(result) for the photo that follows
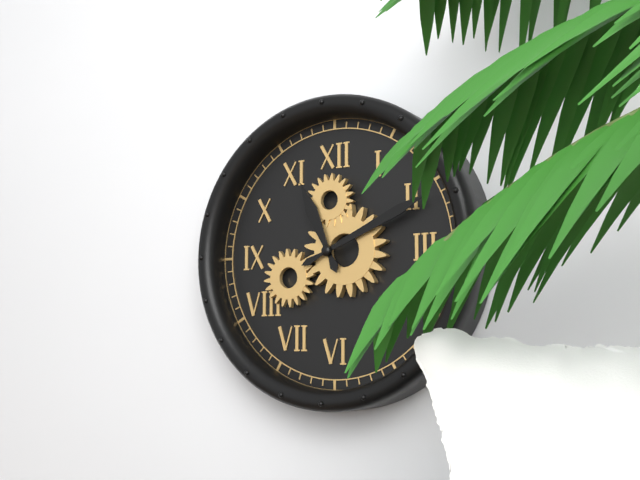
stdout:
{"hour": 11, "minute": 11}
